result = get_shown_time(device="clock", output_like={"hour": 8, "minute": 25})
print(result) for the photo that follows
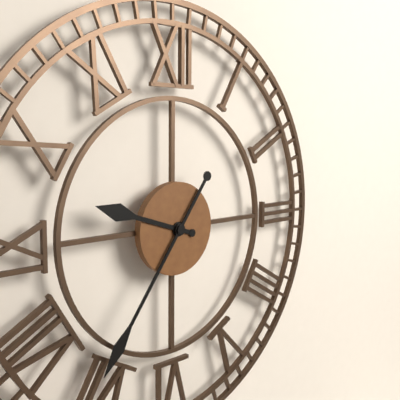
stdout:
{"hour": 9, "minute": 36}
